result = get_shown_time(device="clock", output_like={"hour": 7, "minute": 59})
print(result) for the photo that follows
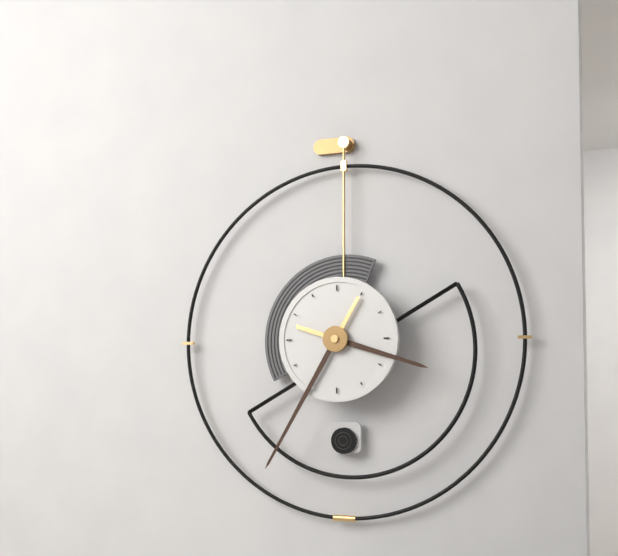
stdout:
{"hour": 3, "minute": 35}
